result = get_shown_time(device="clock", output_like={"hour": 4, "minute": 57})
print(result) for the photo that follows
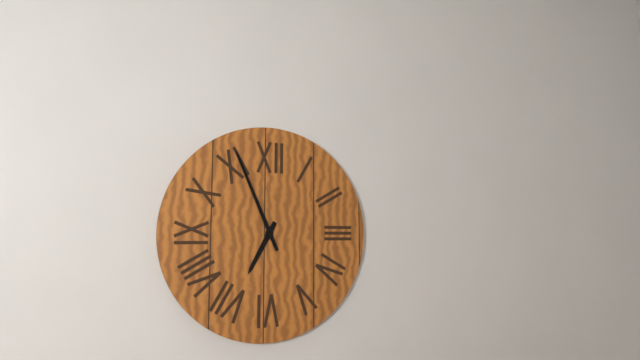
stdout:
{"hour": 6, "minute": 56}
